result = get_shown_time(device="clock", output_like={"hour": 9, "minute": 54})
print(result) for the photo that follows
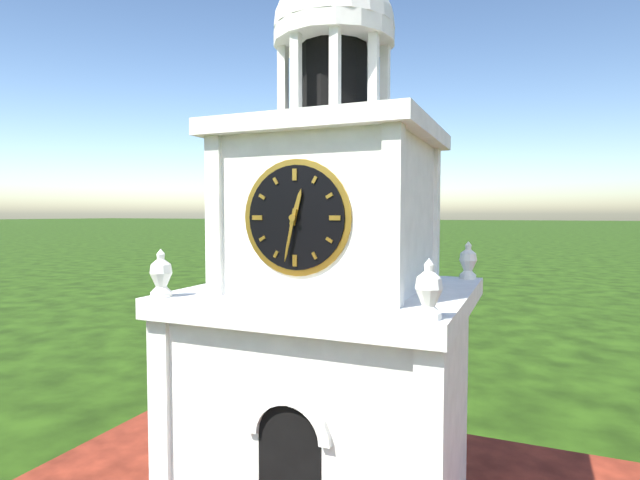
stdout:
{"hour": 12, "minute": 32}
